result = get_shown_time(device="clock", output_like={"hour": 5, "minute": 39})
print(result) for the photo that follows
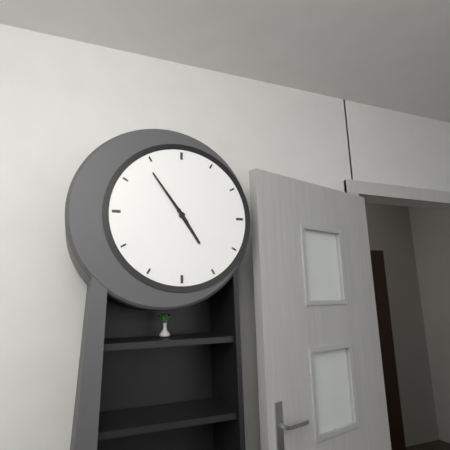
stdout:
{"hour": 4, "minute": 54}
